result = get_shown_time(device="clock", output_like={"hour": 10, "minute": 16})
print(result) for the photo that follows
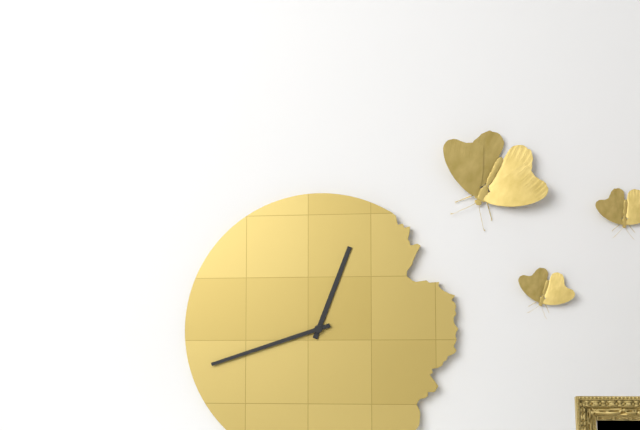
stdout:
{"hour": 12, "minute": 42}
